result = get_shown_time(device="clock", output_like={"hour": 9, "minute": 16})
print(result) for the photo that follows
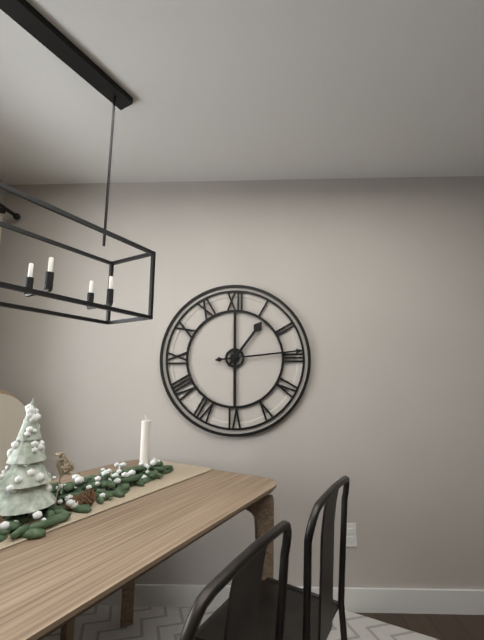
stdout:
{"hour": 1, "minute": 14}
